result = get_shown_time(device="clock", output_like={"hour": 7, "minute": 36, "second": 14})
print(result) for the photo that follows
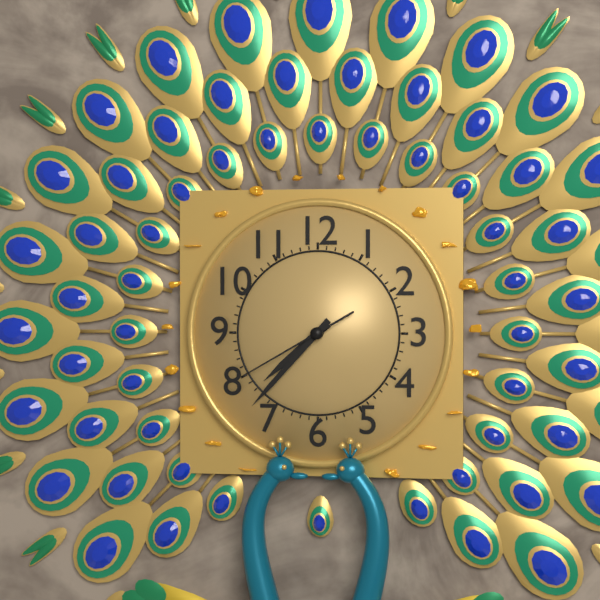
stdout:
{"hour": 7, "minute": 37, "second": 40}
